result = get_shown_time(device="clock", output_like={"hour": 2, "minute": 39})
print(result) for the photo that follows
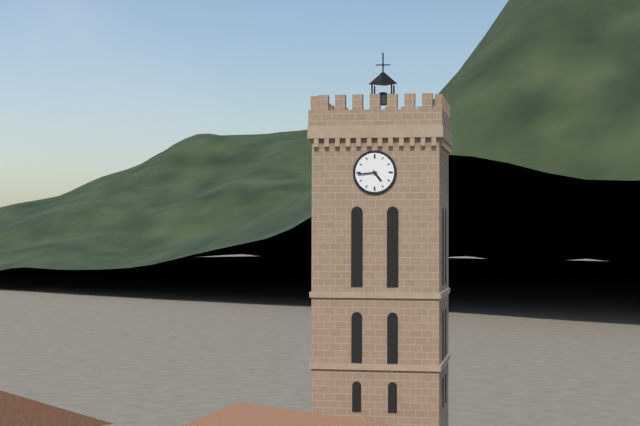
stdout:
{"hour": 4, "minute": 44}
